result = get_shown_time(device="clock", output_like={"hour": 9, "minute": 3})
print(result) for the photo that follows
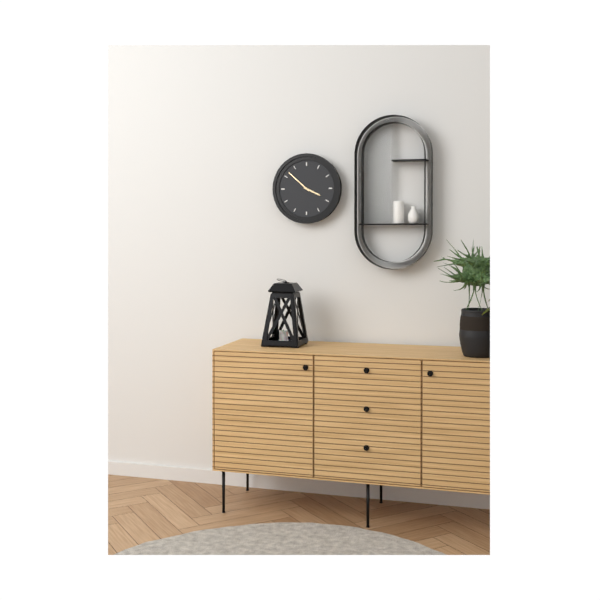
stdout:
{"hour": 3, "minute": 52}
